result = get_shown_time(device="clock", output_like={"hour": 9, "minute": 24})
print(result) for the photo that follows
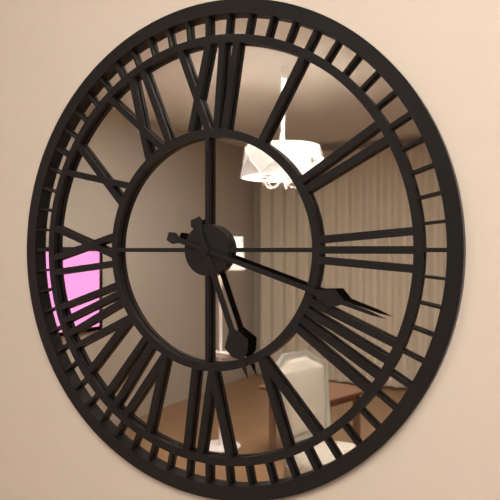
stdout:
{"hour": 5, "minute": 18}
